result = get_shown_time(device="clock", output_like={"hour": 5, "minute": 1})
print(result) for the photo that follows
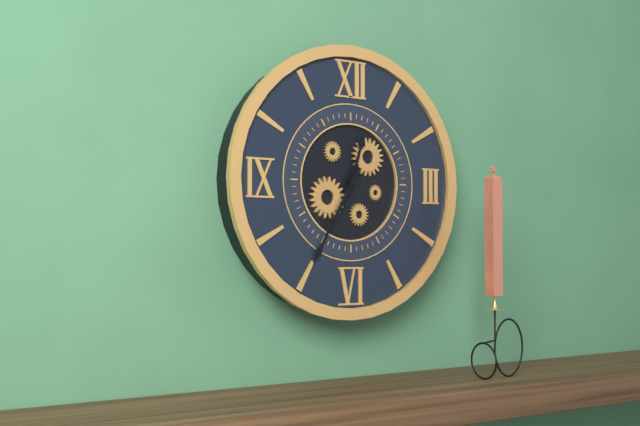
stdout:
{"hour": 12, "minute": 35}
